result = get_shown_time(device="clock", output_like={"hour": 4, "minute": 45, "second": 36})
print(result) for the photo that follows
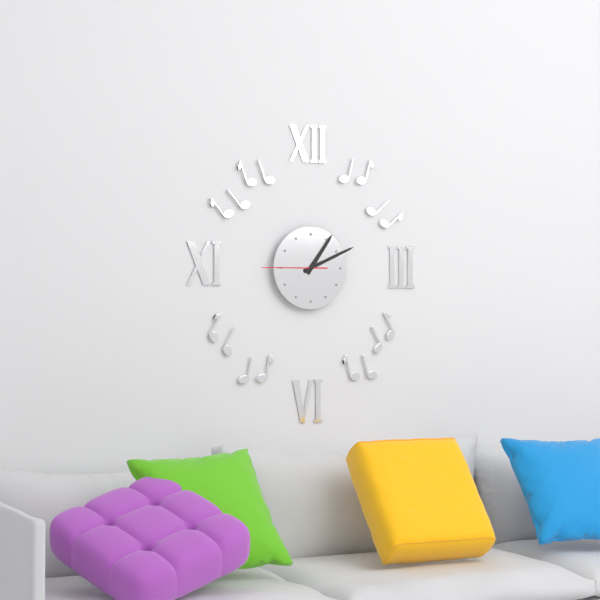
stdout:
{"hour": 1, "minute": 11, "second": 45}
